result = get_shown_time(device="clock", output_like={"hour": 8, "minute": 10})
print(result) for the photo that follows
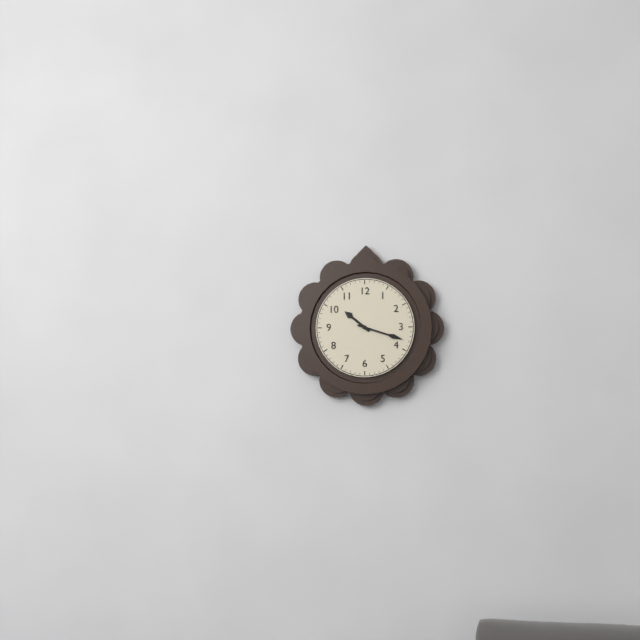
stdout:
{"hour": 10, "minute": 18}
